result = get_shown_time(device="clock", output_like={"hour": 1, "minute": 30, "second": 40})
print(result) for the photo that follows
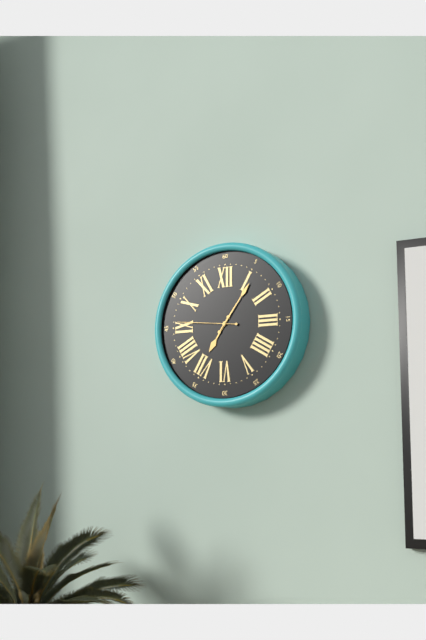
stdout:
{"hour": 7, "minute": 6, "second": 46}
